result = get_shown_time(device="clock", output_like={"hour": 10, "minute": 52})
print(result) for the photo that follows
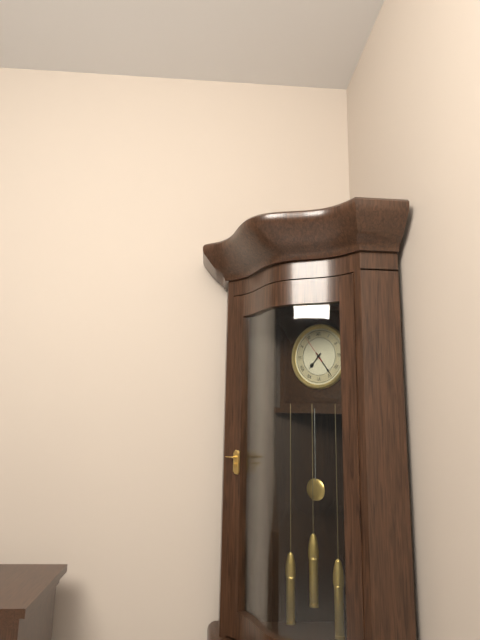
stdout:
{"hour": 7, "minute": 24}
